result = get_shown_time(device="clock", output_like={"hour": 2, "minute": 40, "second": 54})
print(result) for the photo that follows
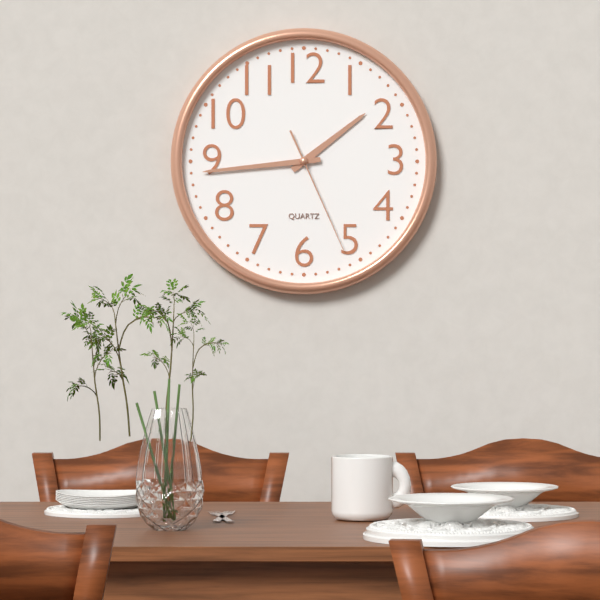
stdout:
{"hour": 1, "minute": 44, "second": 26}
